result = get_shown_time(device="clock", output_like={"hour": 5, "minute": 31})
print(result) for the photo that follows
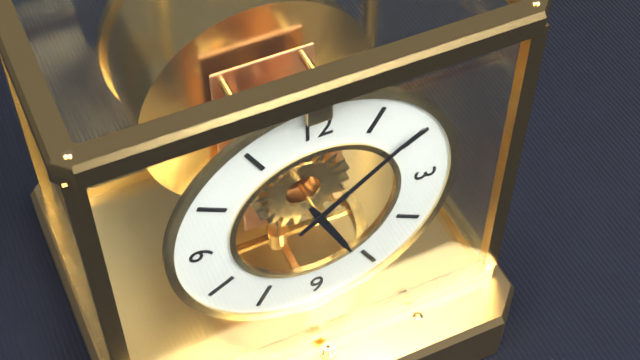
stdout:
{"hour": 5, "minute": 9}
